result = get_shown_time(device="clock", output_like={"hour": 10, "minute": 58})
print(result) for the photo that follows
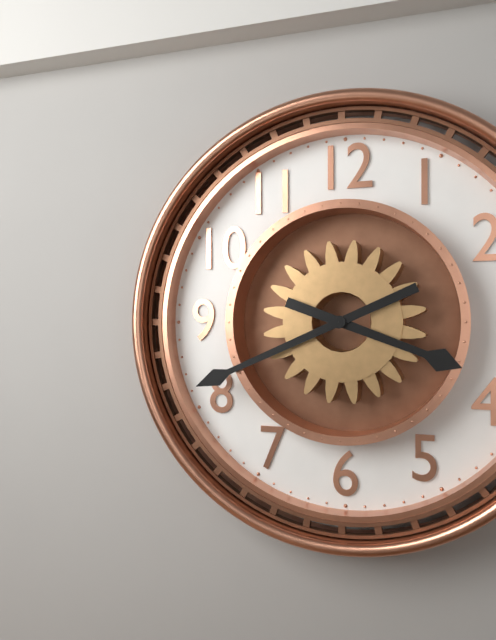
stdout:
{"hour": 3, "minute": 41}
